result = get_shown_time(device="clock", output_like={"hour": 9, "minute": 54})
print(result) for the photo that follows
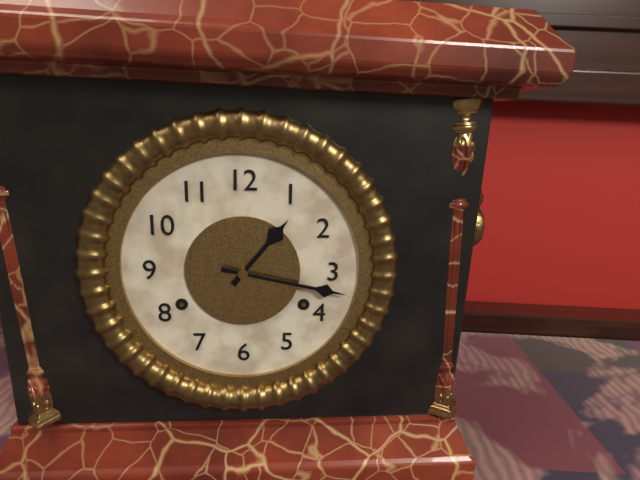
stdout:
{"hour": 1, "minute": 17}
